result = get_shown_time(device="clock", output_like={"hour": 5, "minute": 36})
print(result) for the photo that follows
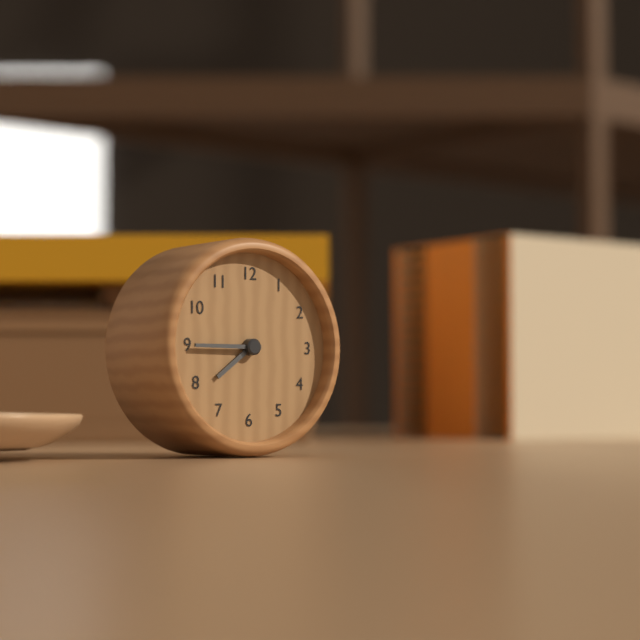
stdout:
{"hour": 7, "minute": 45}
